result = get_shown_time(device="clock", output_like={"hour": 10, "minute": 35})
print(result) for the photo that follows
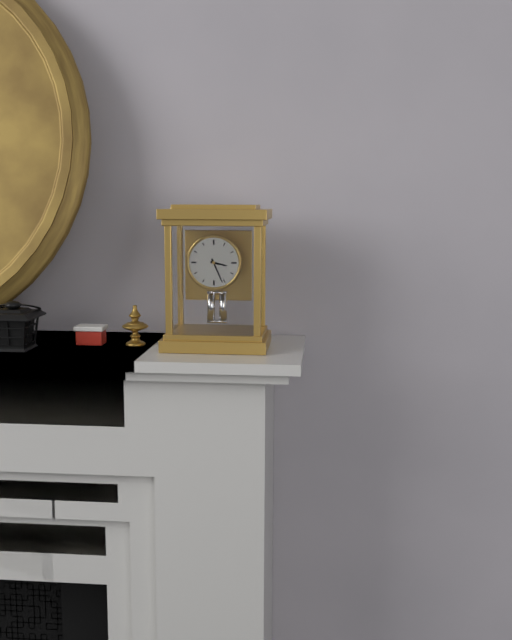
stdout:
{"hour": 3, "minute": 26}
